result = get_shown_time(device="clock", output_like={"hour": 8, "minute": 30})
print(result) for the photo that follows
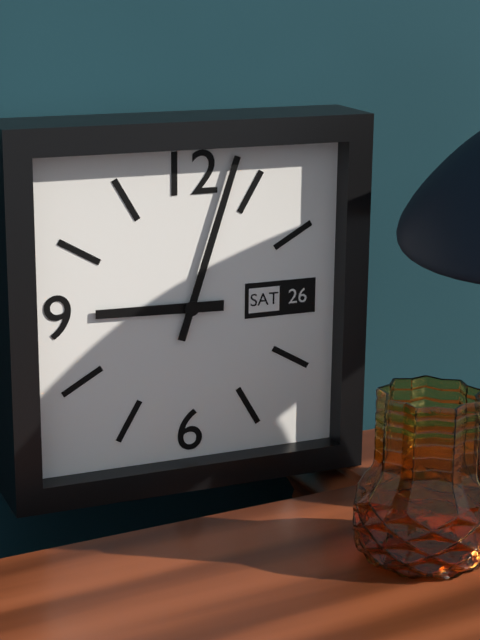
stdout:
{"hour": 9, "minute": 3}
